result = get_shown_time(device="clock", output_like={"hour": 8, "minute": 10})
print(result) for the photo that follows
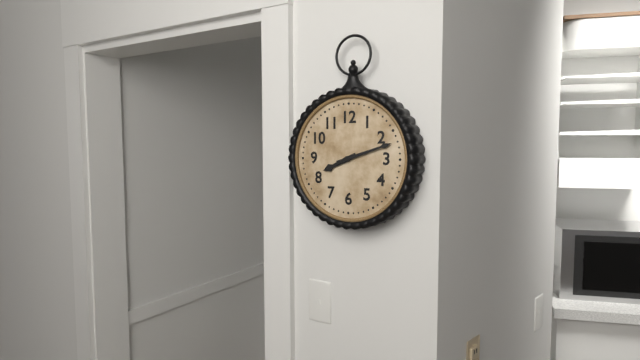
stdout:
{"hour": 8, "minute": 12}
